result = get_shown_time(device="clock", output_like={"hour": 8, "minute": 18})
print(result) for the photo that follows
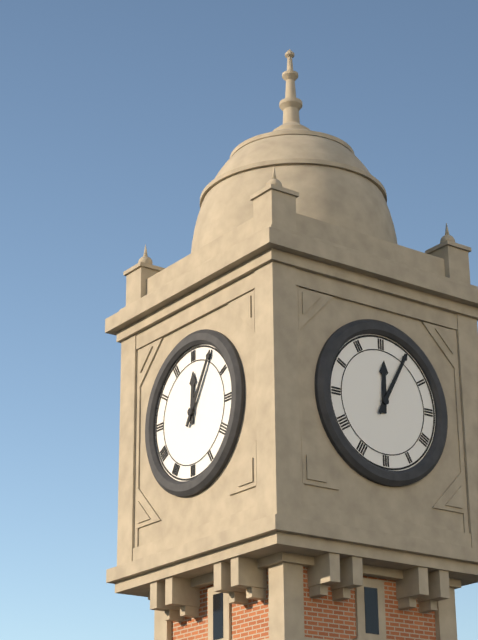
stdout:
{"hour": 12, "minute": 5}
